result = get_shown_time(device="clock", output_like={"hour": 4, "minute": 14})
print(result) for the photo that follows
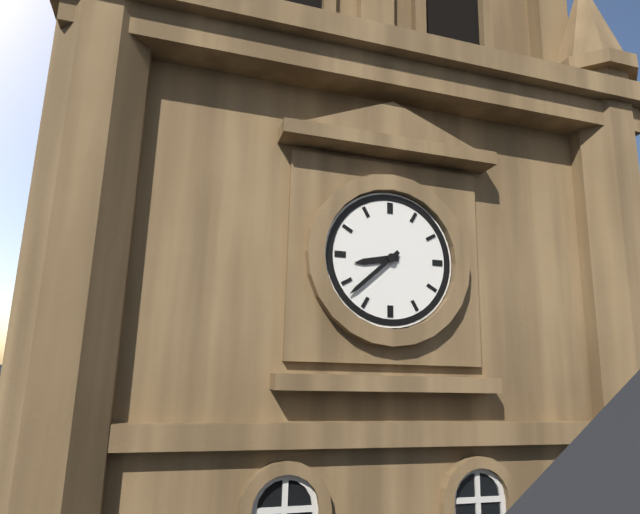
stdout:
{"hour": 8, "minute": 38}
